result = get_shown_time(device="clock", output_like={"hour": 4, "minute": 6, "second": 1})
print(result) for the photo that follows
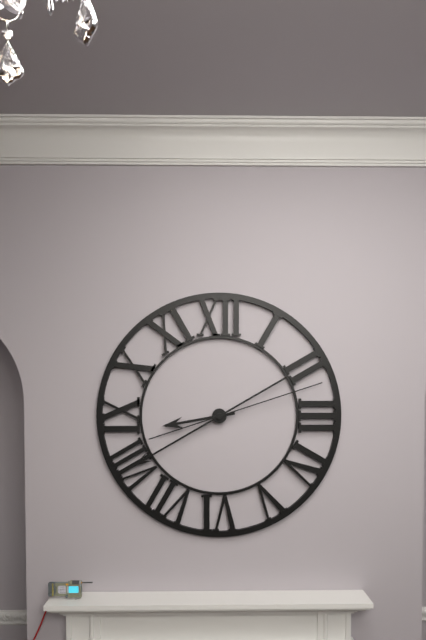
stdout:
{"hour": 8, "minute": 40, "second": 12}
